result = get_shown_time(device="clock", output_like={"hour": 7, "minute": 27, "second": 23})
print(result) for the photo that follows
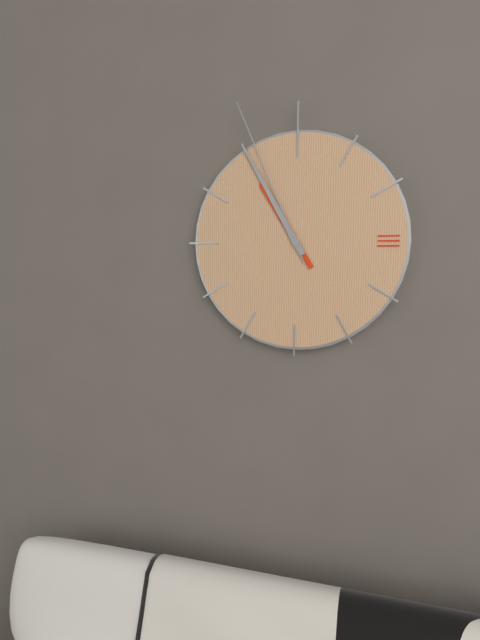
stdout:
{"hour": 10, "minute": 55, "second": 56}
